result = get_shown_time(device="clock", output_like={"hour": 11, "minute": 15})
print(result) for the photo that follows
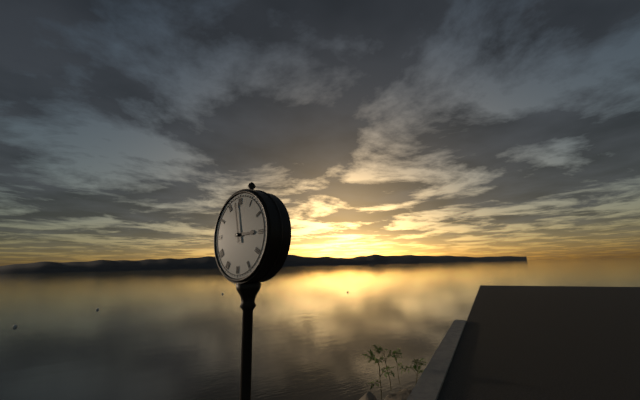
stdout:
{"hour": 2, "minute": 58}
